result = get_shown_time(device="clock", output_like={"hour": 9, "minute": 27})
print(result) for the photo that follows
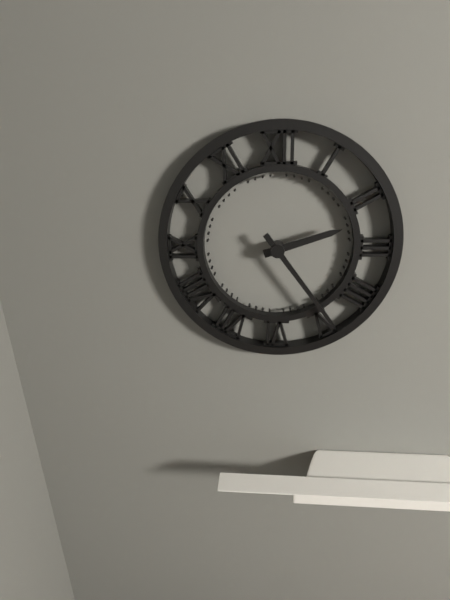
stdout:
{"hour": 2, "minute": 24}
